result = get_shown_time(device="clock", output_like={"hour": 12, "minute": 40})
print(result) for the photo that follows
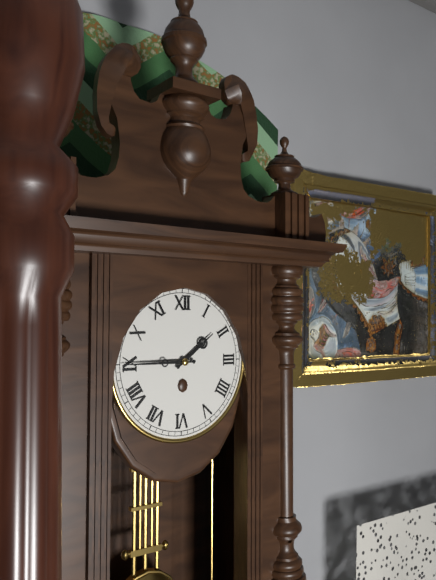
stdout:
{"hour": 1, "minute": 45}
